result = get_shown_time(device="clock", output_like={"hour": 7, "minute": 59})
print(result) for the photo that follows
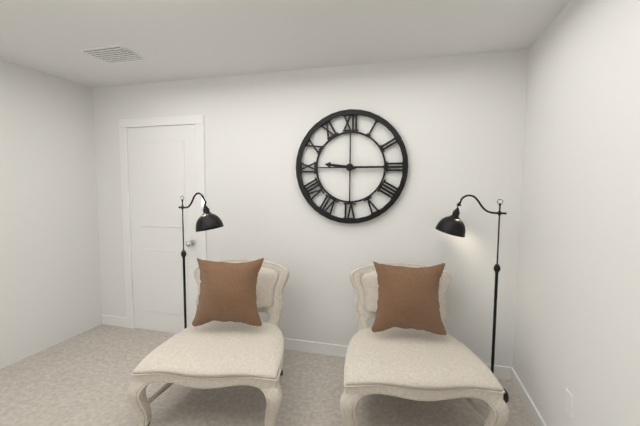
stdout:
{"hour": 9, "minute": 15}
